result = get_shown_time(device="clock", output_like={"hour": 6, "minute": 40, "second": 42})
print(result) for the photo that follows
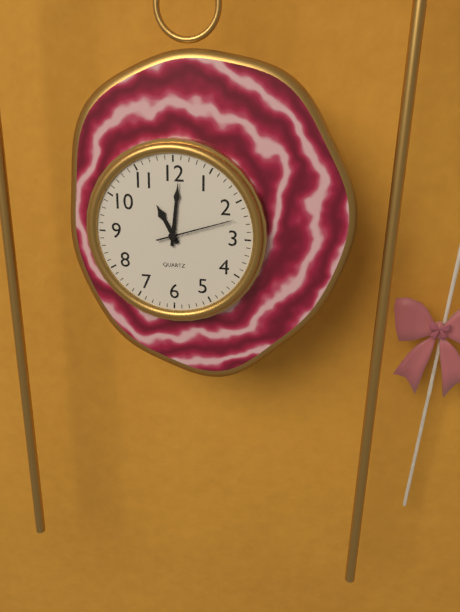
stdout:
{"hour": 11, "minute": 1, "second": 12}
